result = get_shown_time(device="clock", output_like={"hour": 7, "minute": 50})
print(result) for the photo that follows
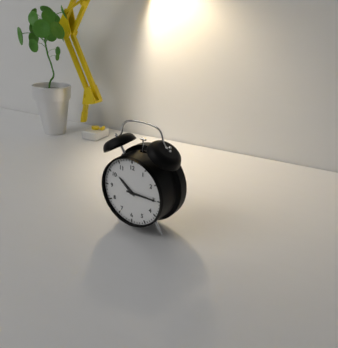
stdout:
{"hour": 10, "minute": 15}
